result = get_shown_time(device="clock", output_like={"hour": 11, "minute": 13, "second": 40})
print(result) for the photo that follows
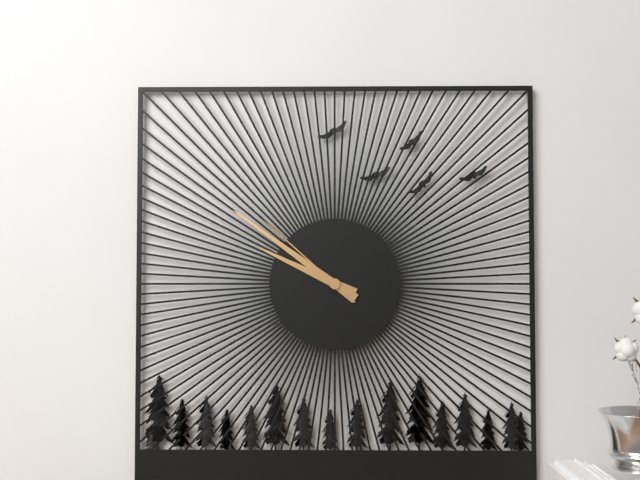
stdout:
{"hour": 9, "minute": 51, "second": 52}
